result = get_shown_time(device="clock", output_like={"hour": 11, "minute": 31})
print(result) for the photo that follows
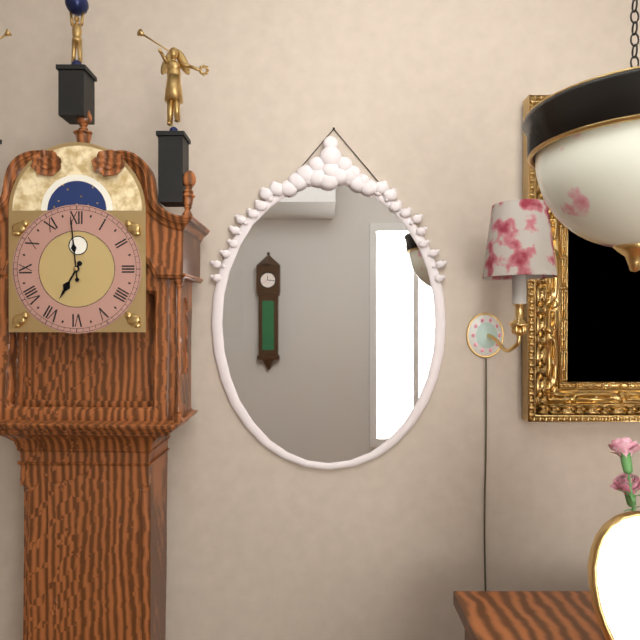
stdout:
{"hour": 6, "minute": 59}
